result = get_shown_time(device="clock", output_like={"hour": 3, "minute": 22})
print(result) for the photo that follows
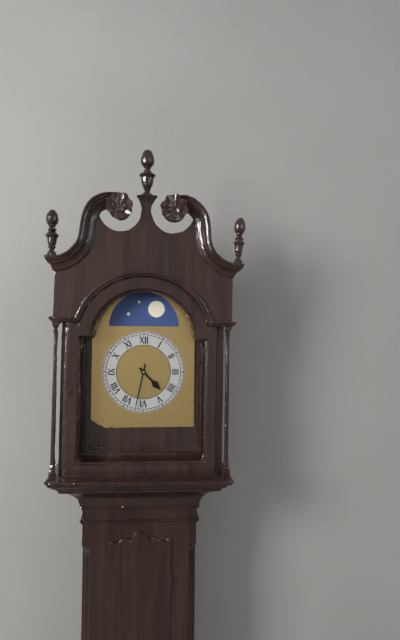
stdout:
{"hour": 4, "minute": 32}
